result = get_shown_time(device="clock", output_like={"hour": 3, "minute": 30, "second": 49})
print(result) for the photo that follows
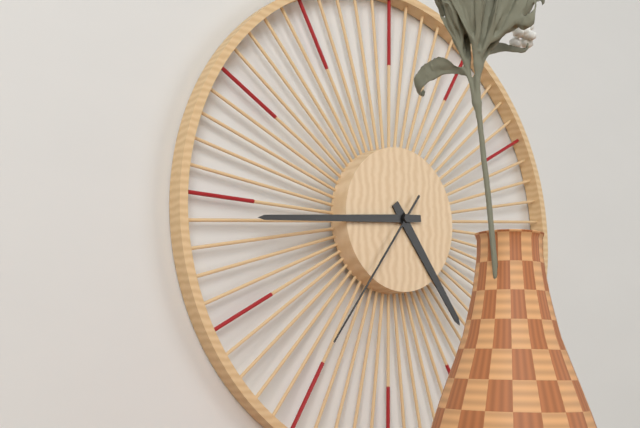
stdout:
{"hour": 4, "minute": 44, "second": 36}
